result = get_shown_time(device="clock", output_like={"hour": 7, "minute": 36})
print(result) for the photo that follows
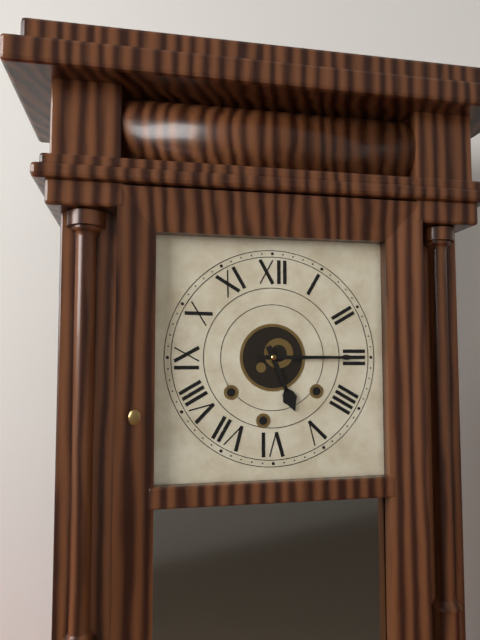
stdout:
{"hour": 5, "minute": 15}
